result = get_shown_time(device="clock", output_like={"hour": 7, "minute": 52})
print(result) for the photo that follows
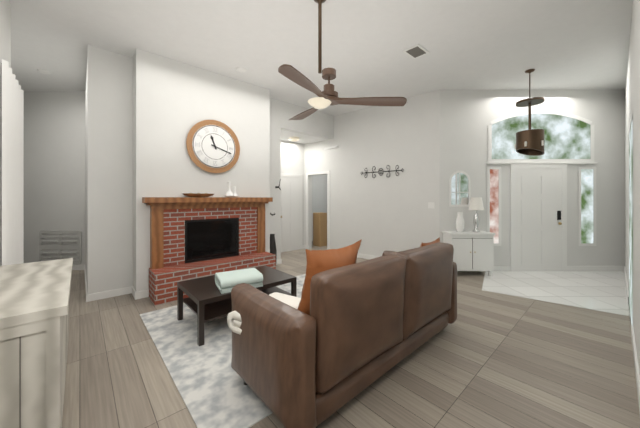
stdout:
{"hour": 11, "minute": 18}
